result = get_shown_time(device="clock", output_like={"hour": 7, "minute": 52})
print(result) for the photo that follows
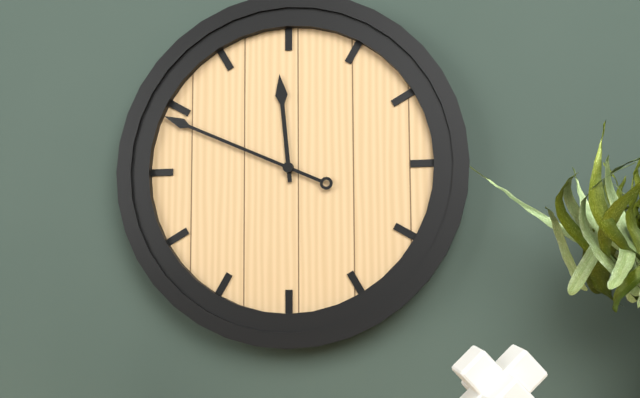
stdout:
{"hour": 11, "minute": 49}
